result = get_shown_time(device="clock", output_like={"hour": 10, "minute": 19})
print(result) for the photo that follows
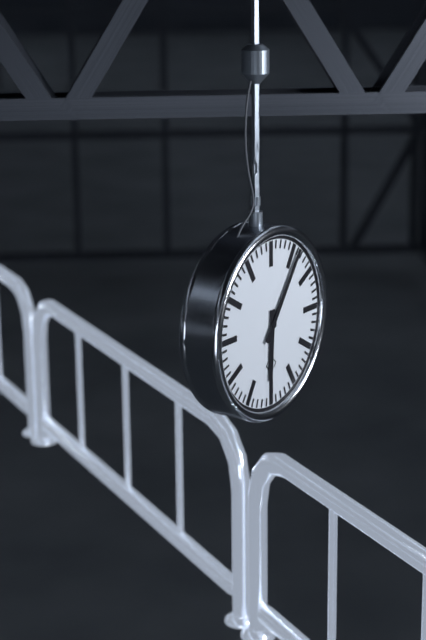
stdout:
{"hour": 6, "minute": 6}
